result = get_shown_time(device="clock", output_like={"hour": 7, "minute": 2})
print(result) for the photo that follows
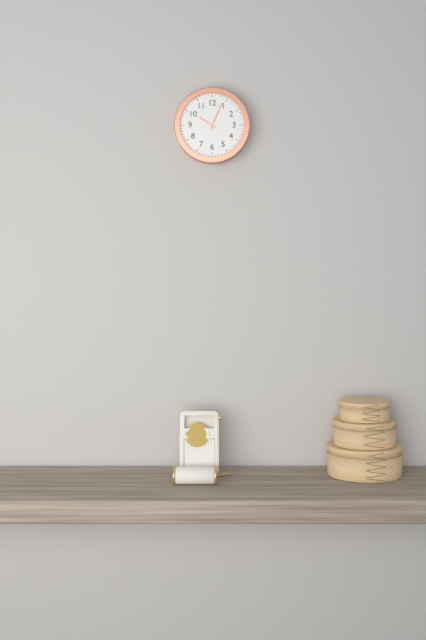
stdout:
{"hour": 10, "minute": 4}
